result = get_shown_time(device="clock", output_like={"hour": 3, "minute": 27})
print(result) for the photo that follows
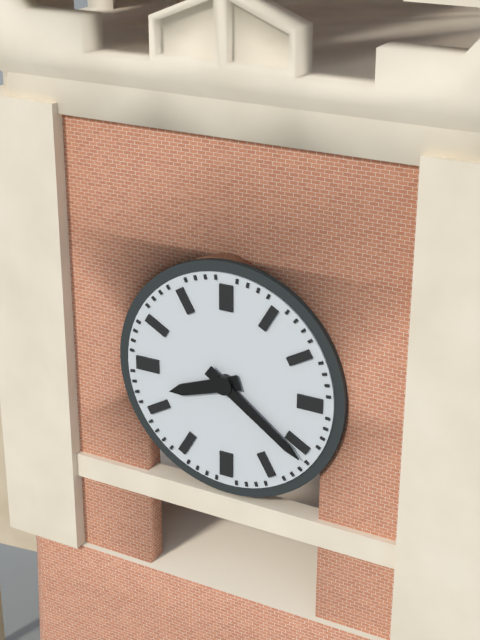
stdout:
{"hour": 8, "minute": 21}
